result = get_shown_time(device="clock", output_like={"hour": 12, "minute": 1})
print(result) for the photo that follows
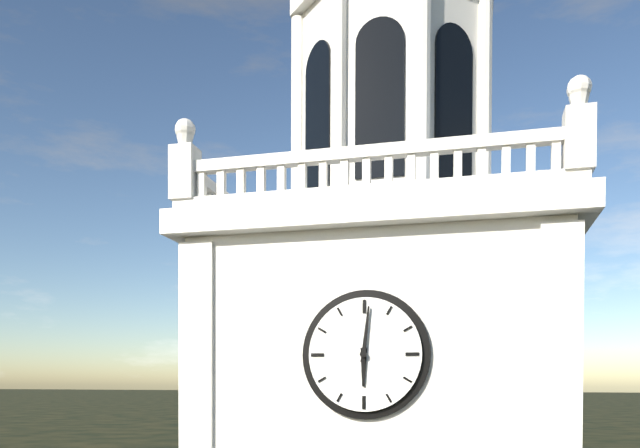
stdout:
{"hour": 6, "minute": 1}
